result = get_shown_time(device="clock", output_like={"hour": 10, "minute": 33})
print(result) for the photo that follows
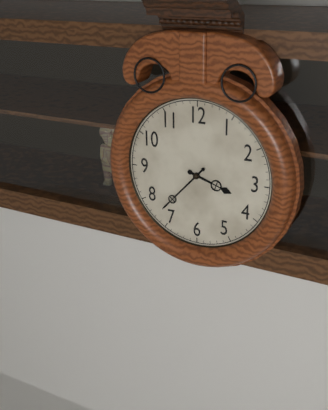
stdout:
{"hour": 3, "minute": 37}
